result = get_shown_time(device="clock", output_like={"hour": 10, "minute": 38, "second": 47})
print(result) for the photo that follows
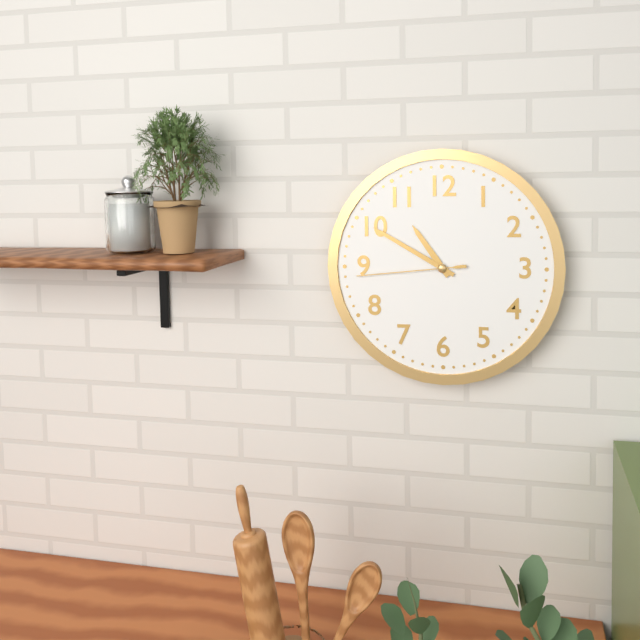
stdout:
{"hour": 10, "minute": 50, "second": 44}
